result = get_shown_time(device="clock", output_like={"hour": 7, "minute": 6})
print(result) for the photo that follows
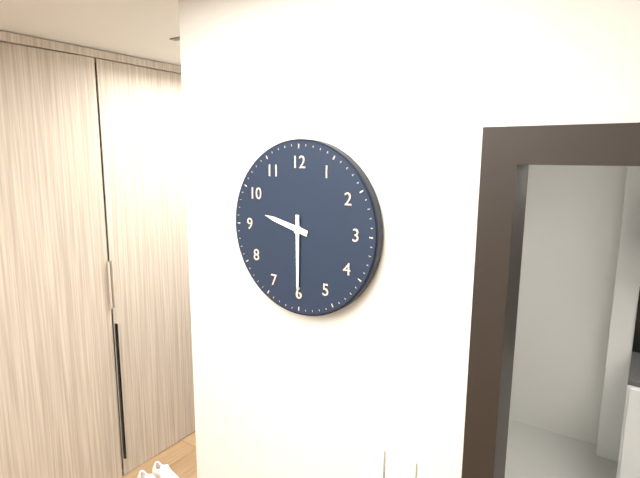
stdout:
{"hour": 9, "minute": 30}
